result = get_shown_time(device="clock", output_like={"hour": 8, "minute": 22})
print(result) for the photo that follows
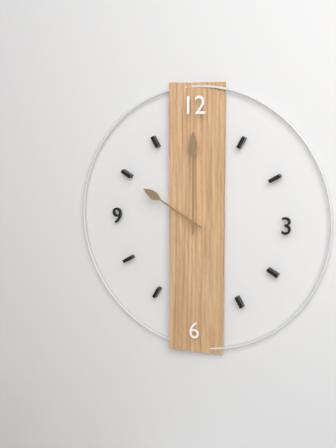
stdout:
{"hour": 10, "minute": 0}
